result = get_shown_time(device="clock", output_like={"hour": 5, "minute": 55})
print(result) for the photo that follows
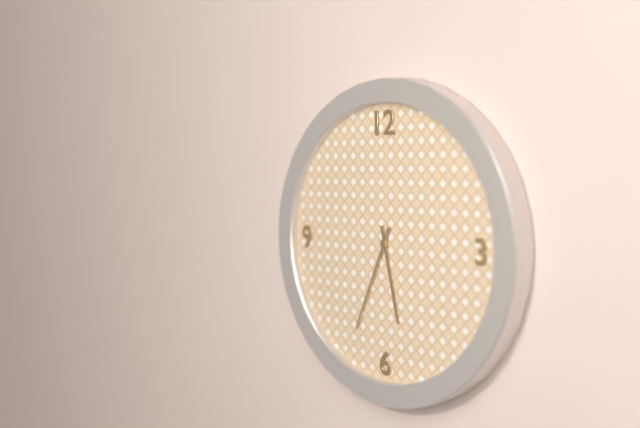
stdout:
{"hour": 5, "minute": 34}
